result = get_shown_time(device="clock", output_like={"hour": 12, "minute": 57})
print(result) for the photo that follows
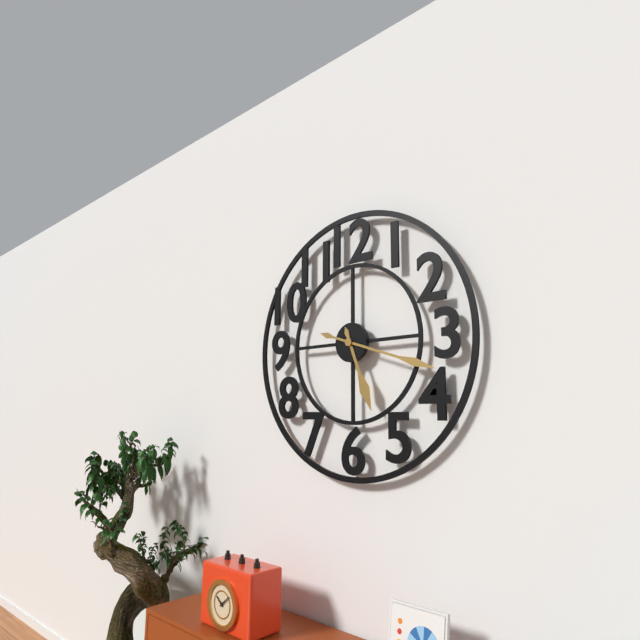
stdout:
{"hour": 5, "minute": 18}
